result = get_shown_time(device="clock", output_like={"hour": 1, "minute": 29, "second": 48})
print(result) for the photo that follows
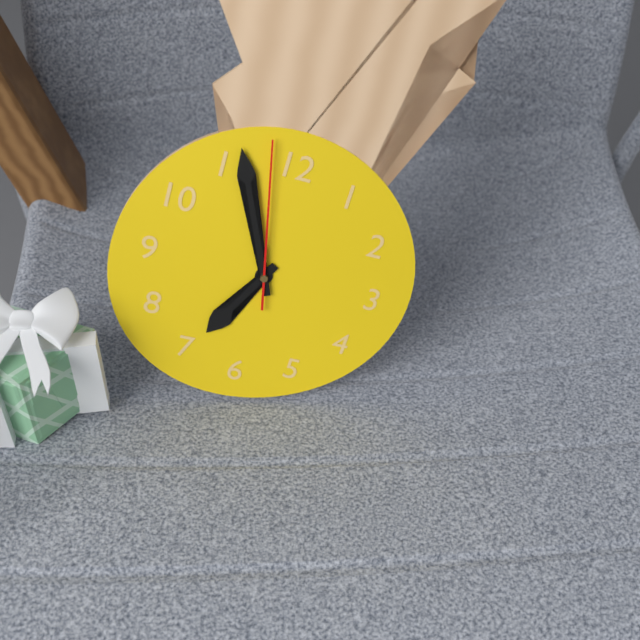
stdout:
{"hour": 6, "minute": 56, "second": 58}
